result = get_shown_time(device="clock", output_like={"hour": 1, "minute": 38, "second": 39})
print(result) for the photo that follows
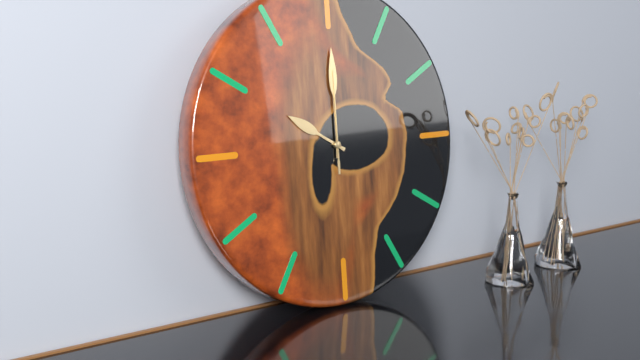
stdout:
{"hour": 10, "minute": 0, "second": 0}
